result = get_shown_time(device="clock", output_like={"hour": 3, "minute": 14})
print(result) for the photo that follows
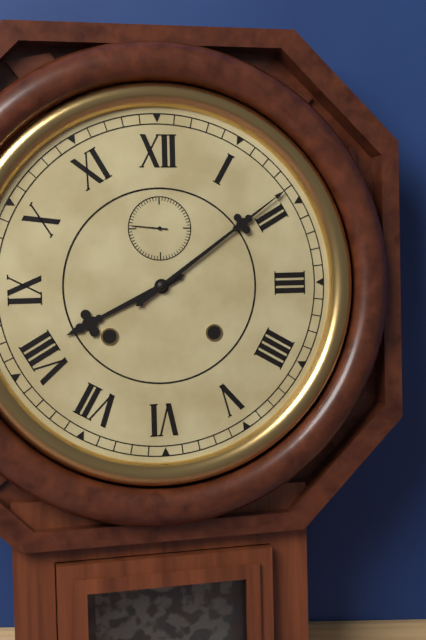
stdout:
{"hour": 8, "minute": 9}
